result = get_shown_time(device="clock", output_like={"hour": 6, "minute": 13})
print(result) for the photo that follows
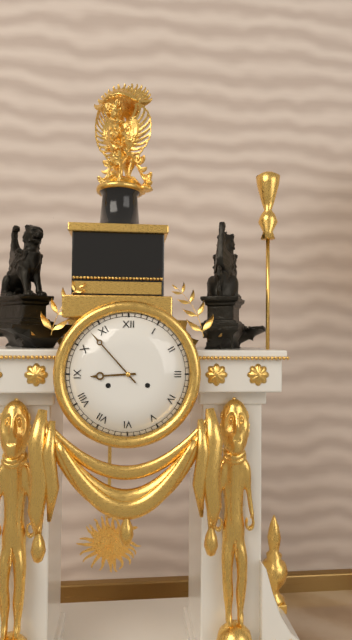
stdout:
{"hour": 8, "minute": 53}
